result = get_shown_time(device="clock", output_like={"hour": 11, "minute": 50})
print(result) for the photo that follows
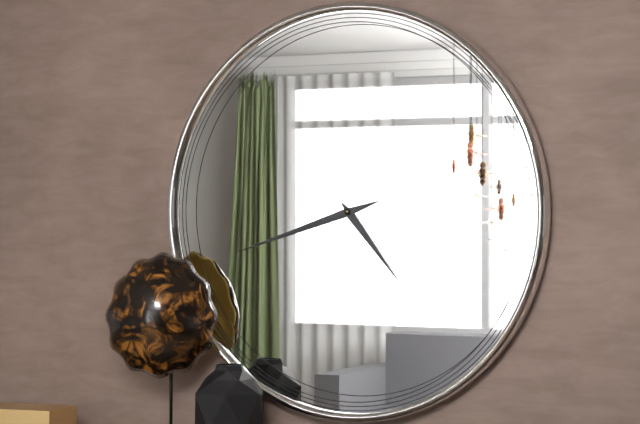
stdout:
{"hour": 4, "minute": 42}
